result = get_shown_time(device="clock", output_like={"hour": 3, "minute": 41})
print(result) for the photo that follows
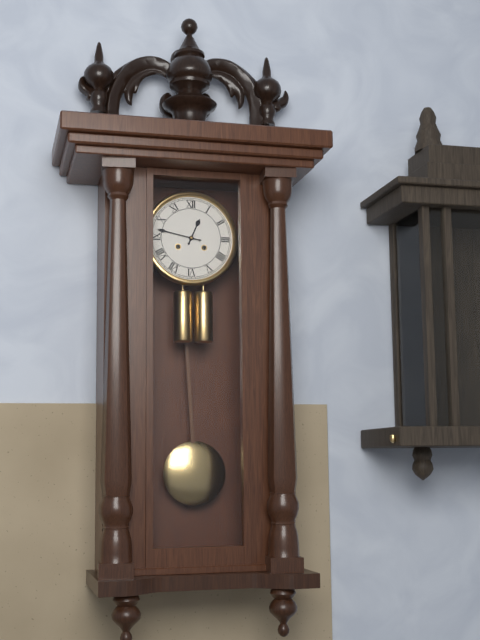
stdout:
{"hour": 12, "minute": 47}
